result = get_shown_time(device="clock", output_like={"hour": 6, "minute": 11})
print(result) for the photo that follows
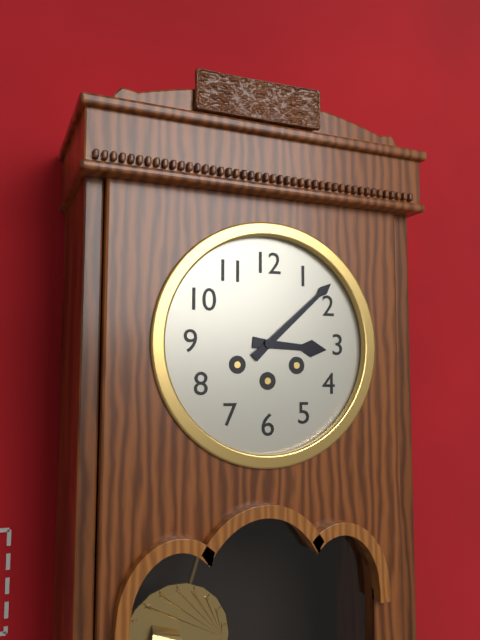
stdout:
{"hour": 3, "minute": 8}
